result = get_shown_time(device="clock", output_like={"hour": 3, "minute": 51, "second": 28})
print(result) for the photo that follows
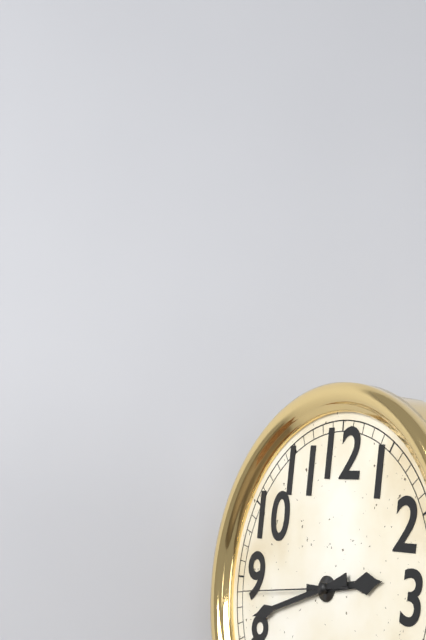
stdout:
{"hour": 2, "minute": 42, "second": 44}
